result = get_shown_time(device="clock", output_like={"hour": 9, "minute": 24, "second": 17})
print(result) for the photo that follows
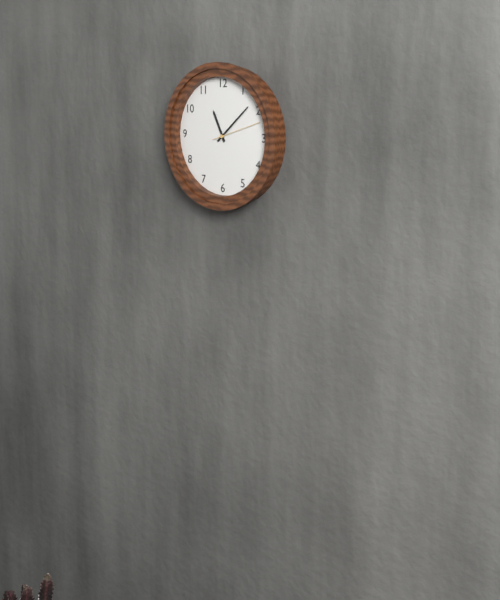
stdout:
{"hour": 11, "minute": 8, "second": 12}
